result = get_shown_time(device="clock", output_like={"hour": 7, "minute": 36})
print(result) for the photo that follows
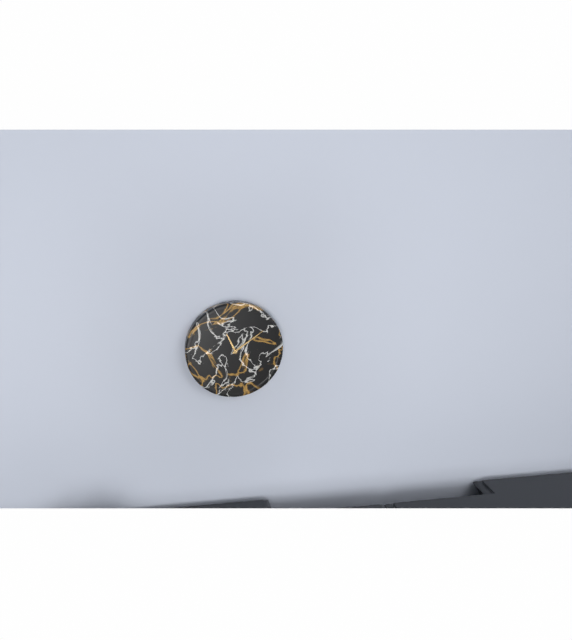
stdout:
{"hour": 11, "minute": 9}
